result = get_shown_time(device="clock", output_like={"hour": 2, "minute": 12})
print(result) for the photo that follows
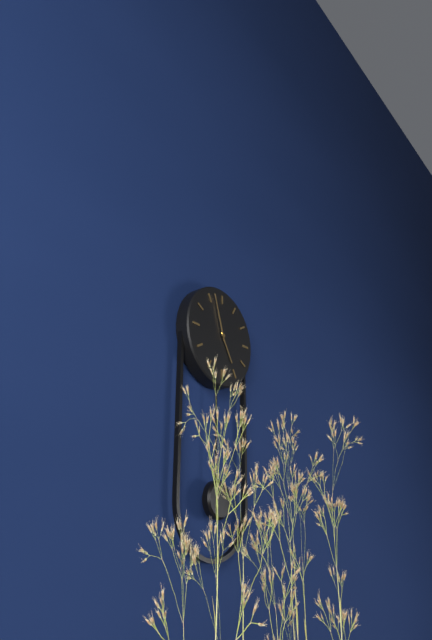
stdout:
{"hour": 4, "minute": 57}
